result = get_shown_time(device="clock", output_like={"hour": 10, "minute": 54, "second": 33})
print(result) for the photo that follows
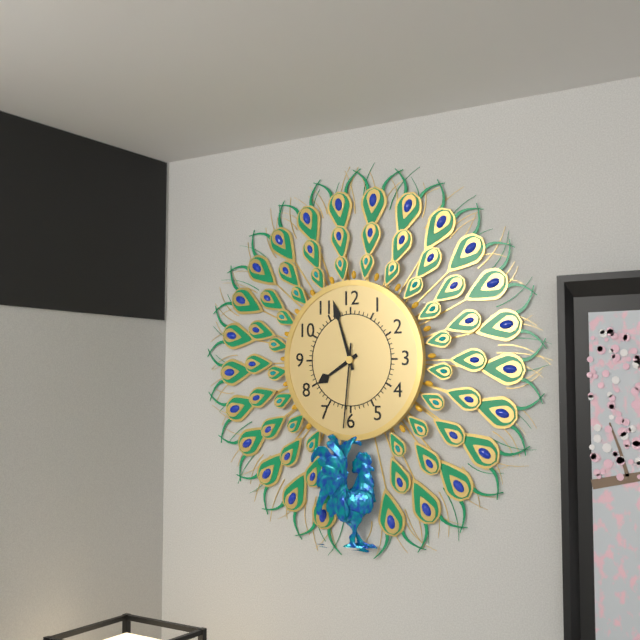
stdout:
{"hour": 7, "minute": 57, "second": 31}
